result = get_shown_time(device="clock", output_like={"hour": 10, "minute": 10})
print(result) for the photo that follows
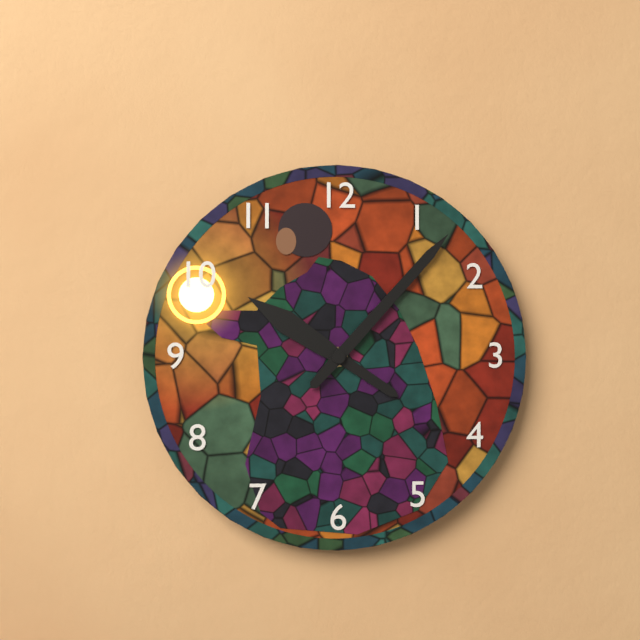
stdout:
{"hour": 10, "minute": 7}
